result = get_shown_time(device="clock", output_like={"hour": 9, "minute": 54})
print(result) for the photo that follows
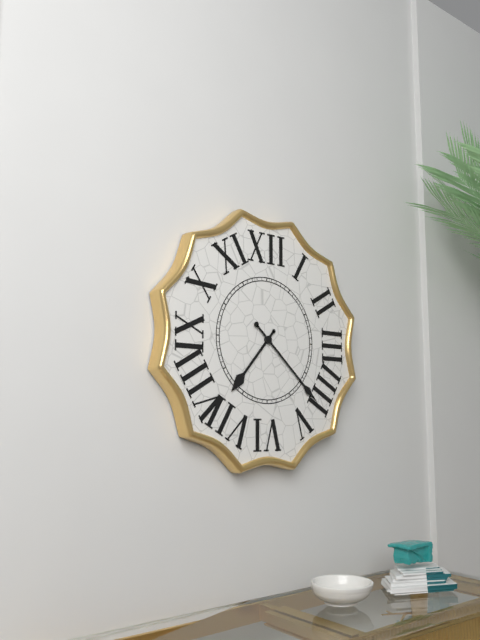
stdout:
{"hour": 7, "minute": 22}
